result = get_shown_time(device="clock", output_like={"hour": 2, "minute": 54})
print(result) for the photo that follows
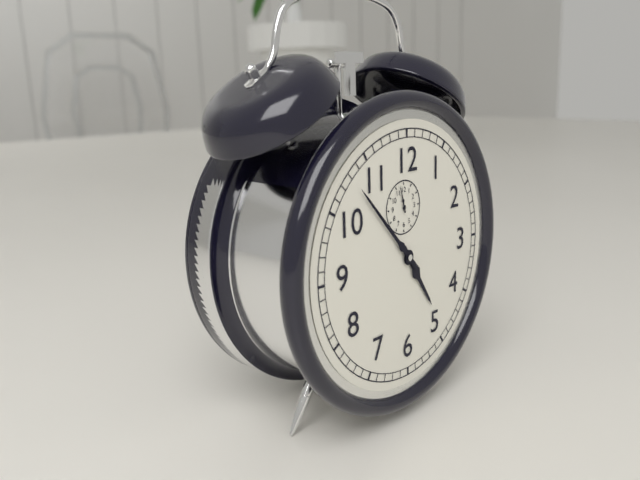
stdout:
{"hour": 4, "minute": 53}
